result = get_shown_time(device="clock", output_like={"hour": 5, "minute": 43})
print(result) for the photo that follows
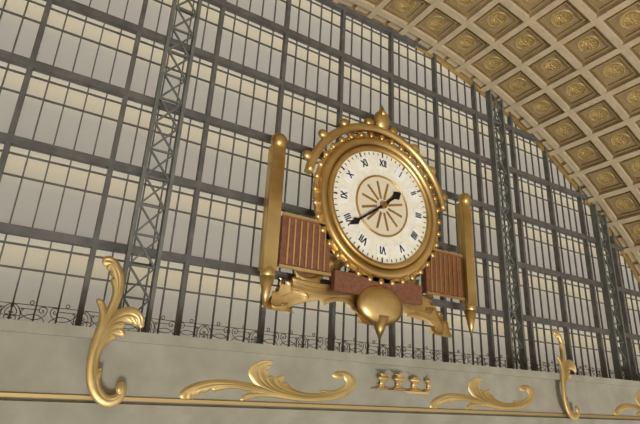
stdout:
{"hour": 1, "minute": 39}
